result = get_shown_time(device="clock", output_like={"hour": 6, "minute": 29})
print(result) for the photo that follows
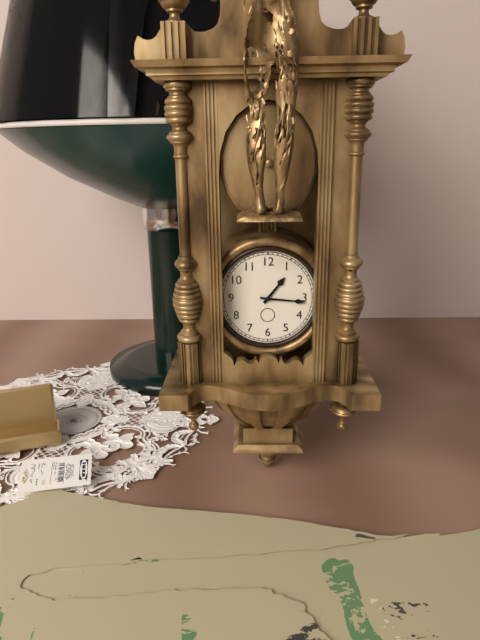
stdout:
{"hour": 1, "minute": 16}
